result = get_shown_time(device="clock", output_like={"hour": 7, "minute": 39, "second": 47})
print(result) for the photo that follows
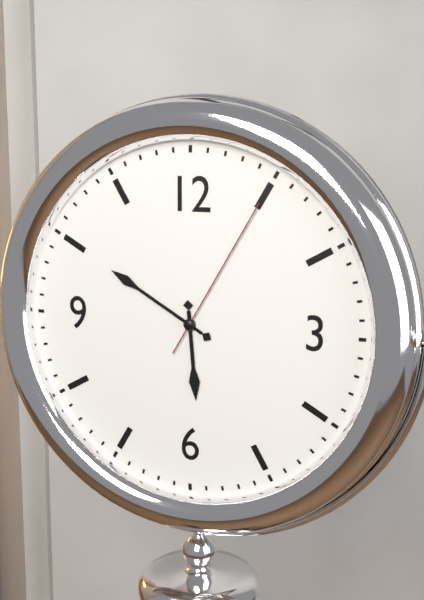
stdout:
{"hour": 5, "minute": 50, "second": 5}
